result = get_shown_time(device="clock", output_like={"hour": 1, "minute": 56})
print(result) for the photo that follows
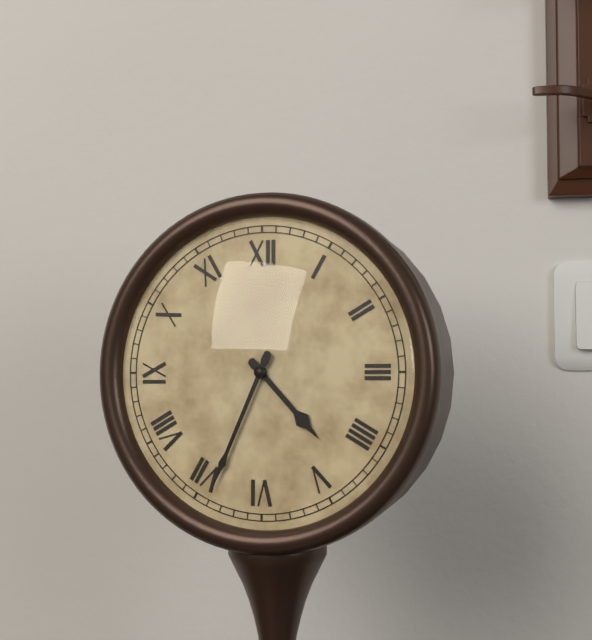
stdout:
{"hour": 4, "minute": 34}
